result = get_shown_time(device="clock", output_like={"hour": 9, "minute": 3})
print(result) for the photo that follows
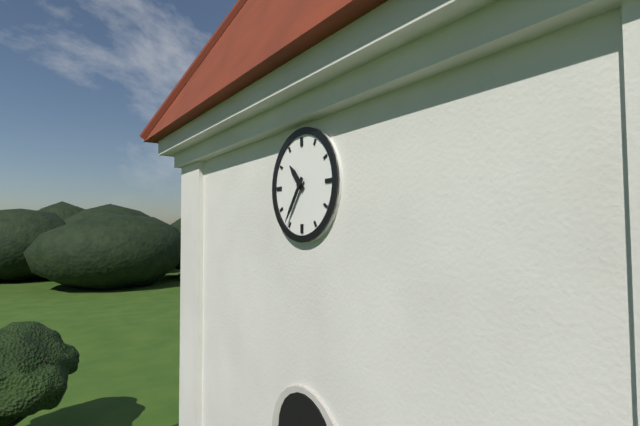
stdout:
{"hour": 10, "minute": 36}
